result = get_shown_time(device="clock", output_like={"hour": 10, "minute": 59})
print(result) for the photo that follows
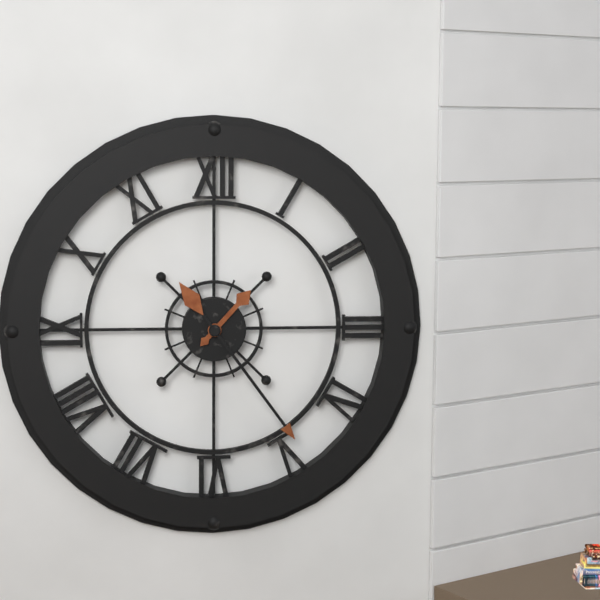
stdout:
{"hour": 1, "minute": 24}
